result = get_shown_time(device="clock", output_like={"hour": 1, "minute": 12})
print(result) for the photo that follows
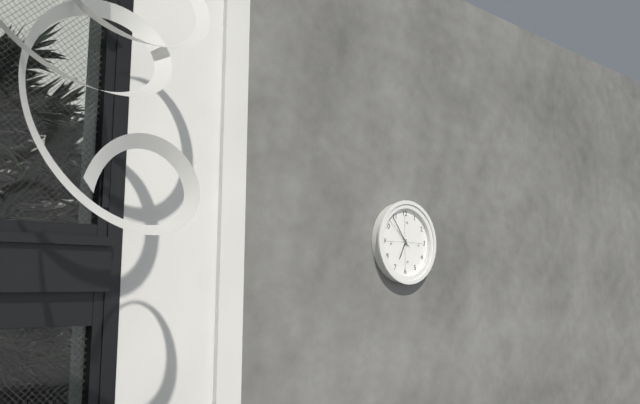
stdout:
{"hour": 6, "minute": 54}
